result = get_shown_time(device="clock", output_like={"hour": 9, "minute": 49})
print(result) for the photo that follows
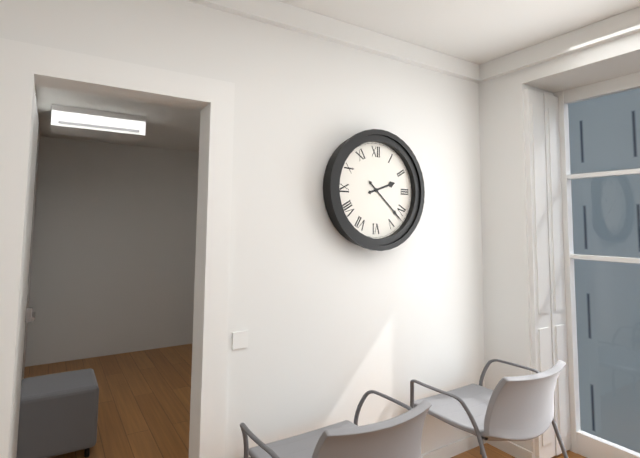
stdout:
{"hour": 2, "minute": 22}
